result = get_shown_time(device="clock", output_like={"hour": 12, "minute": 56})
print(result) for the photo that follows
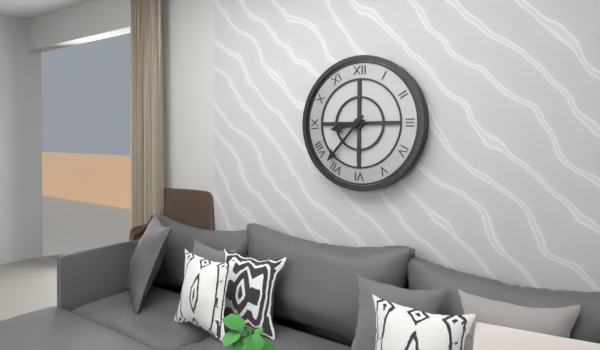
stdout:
{"hour": 8, "minute": 37}
